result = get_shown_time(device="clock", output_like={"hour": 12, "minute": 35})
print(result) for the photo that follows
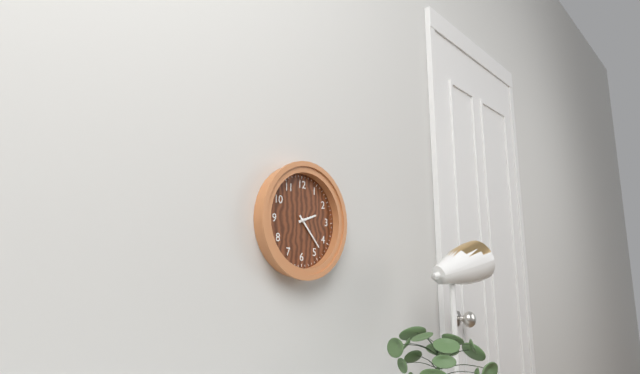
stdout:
{"hour": 2, "minute": 23}
